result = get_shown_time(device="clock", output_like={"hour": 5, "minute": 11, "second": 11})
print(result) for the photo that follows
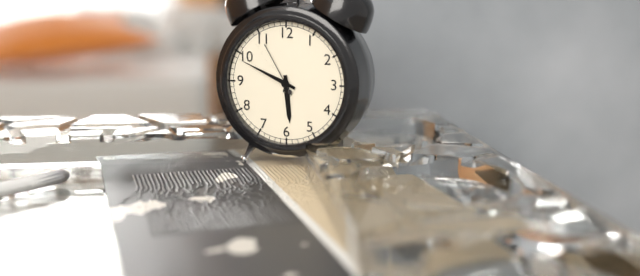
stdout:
{"hour": 5, "minute": 49, "second": 55}
